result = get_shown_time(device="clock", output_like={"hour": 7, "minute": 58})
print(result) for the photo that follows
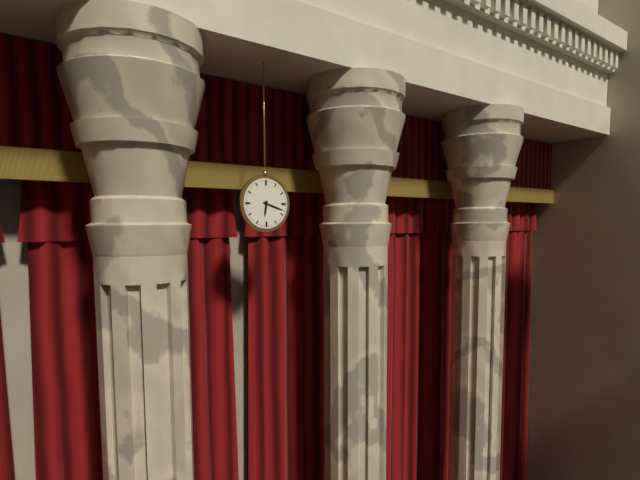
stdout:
{"hour": 6, "minute": 18}
